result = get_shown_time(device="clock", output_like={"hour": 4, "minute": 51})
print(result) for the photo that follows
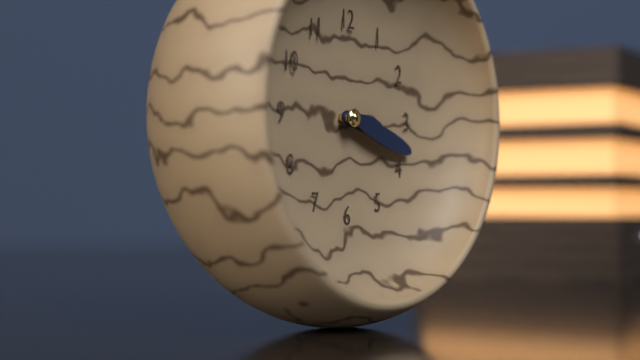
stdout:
{"hour": 3, "minute": 18}
